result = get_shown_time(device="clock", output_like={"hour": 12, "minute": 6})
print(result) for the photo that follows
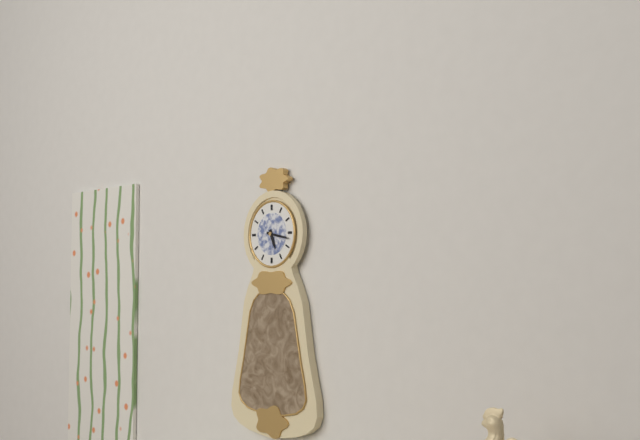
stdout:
{"hour": 5, "minute": 17}
